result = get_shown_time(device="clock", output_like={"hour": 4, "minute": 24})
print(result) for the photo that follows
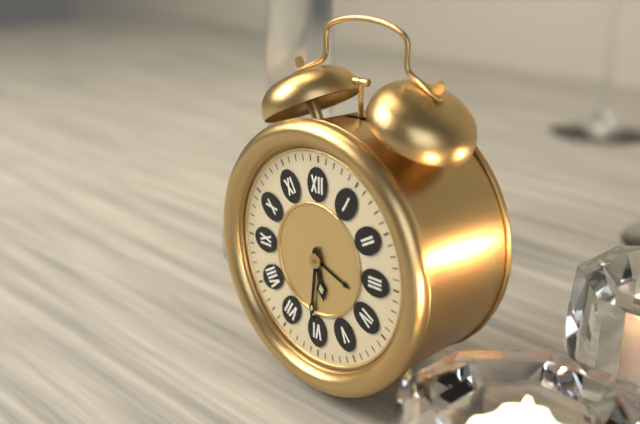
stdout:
{"hour": 5, "minute": 31}
